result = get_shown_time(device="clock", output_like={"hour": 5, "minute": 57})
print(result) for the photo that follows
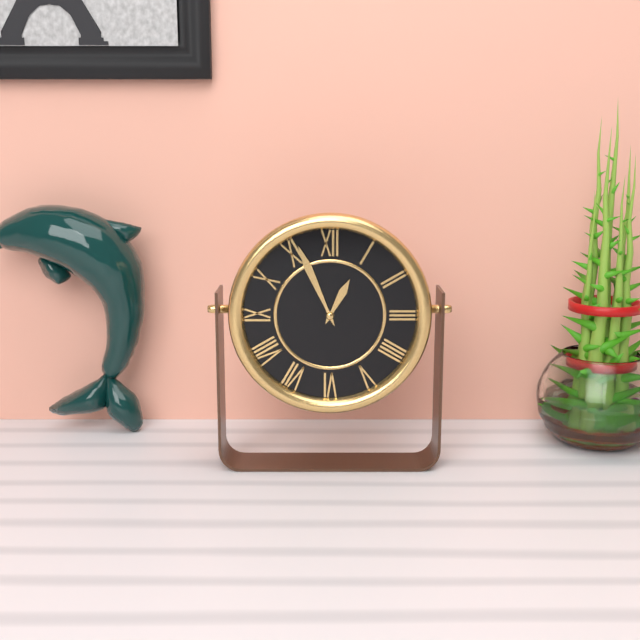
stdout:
{"hour": 12, "minute": 56}
